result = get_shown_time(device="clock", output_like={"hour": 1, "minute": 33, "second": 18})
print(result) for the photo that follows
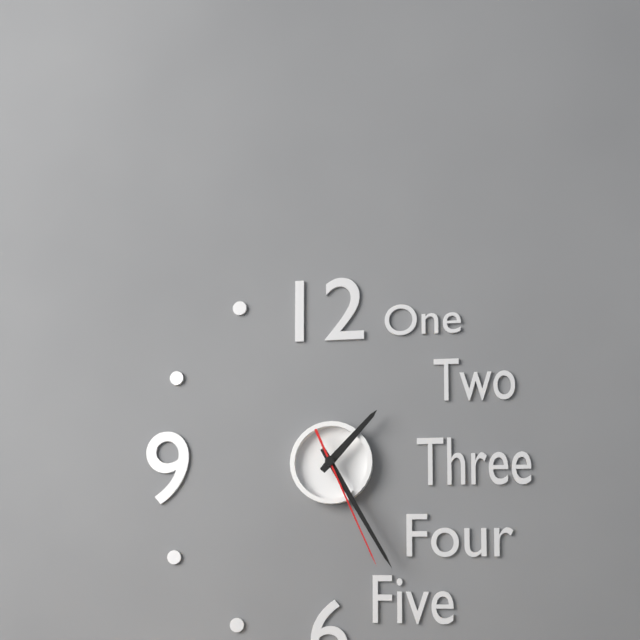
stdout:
{"hour": 1, "minute": 25, "second": 26}
